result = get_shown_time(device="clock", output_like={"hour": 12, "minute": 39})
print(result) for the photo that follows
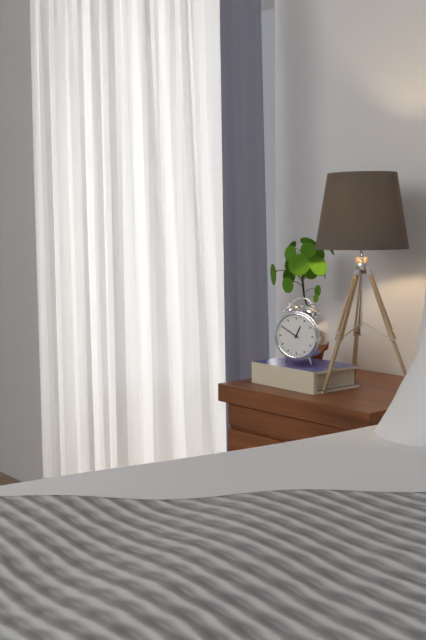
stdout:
{"hour": 12, "minute": 50}
